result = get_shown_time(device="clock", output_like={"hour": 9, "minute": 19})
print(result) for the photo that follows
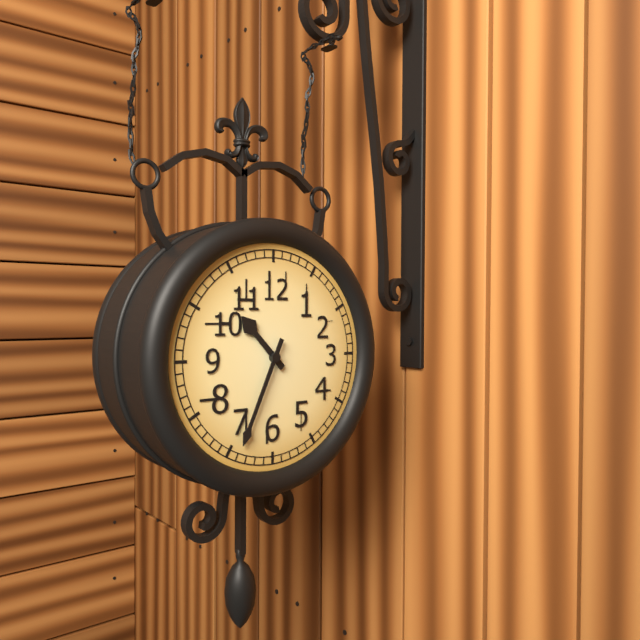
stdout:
{"hour": 10, "minute": 34}
